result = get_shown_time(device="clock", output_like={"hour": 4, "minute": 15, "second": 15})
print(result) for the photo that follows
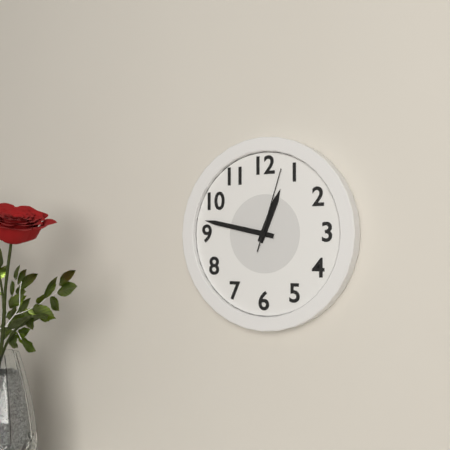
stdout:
{"hour": 12, "minute": 47, "second": 3}
